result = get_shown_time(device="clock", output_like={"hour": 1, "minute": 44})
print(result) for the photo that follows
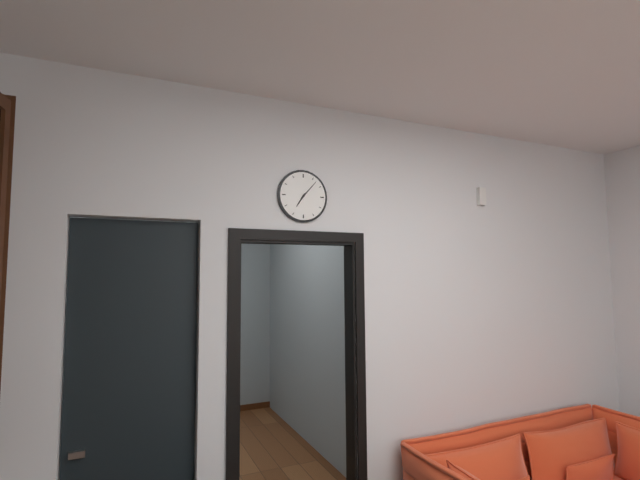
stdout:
{"hour": 7, "minute": 7}
